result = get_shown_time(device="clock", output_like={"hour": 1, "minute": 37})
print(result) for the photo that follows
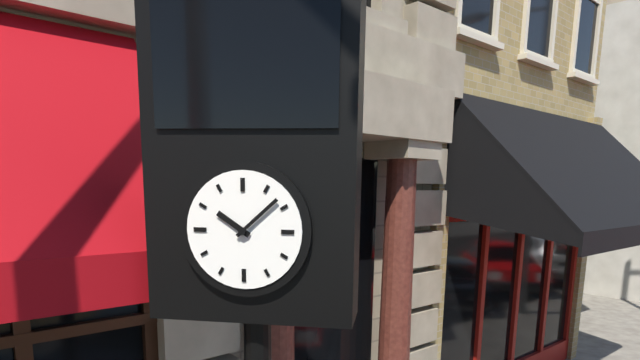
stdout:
{"hour": 10, "minute": 8}
